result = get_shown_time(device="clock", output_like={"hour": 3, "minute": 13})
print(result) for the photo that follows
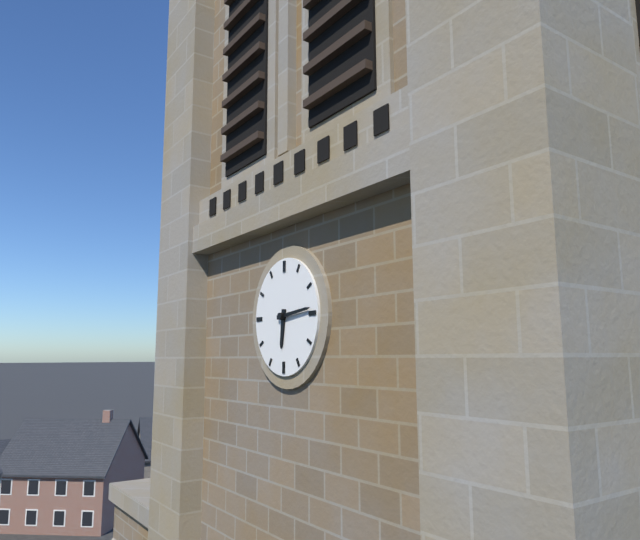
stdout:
{"hour": 6, "minute": 14}
